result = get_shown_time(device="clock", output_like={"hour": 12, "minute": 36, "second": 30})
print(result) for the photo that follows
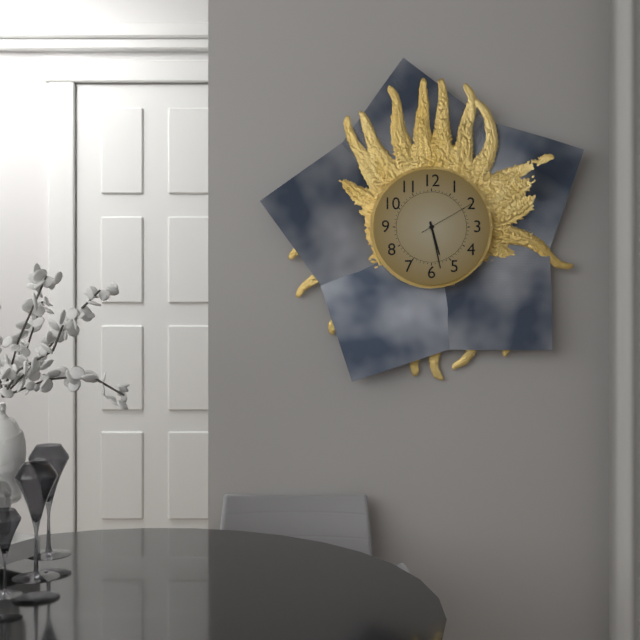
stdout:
{"hour": 5, "minute": 28, "second": 10}
